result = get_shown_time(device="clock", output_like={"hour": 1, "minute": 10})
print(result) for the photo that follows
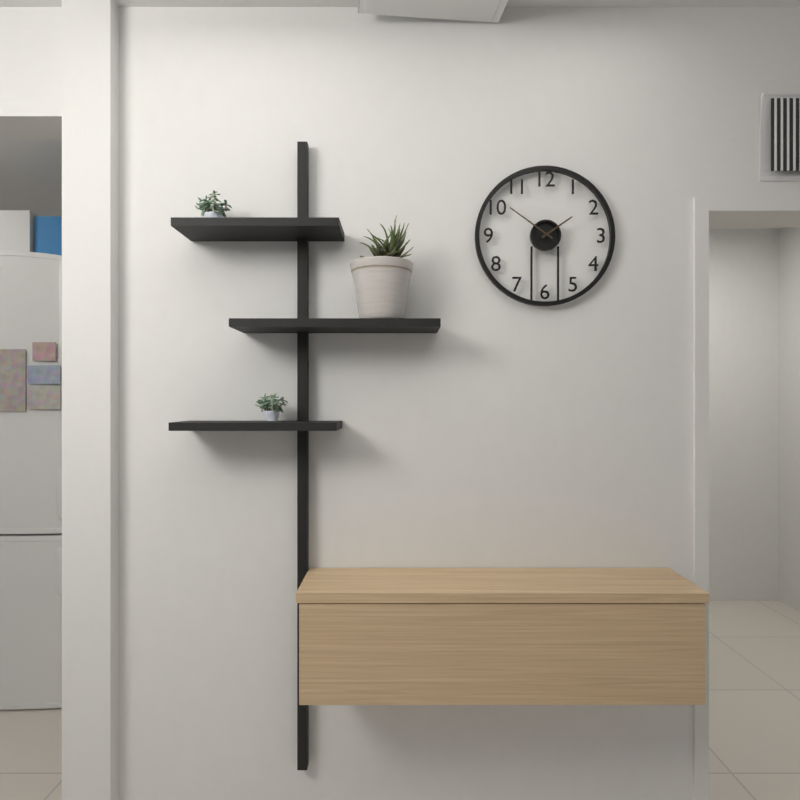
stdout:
{"hour": 1, "minute": 51}
